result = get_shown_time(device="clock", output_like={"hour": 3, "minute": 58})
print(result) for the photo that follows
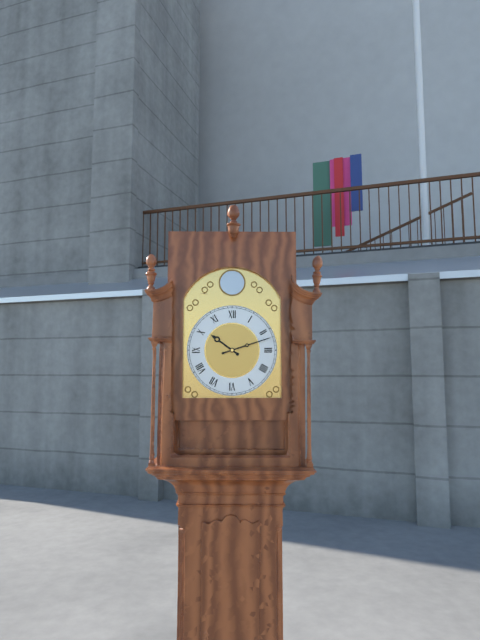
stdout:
{"hour": 10, "minute": 12}
